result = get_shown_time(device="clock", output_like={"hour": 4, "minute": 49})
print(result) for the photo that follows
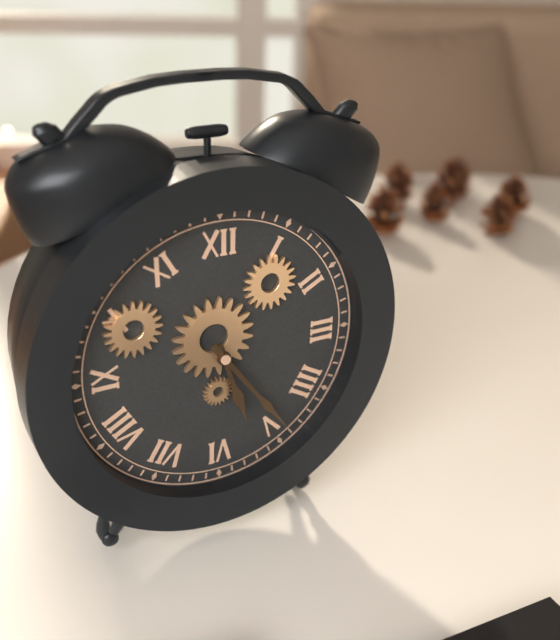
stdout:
{"hour": 5, "minute": 24}
